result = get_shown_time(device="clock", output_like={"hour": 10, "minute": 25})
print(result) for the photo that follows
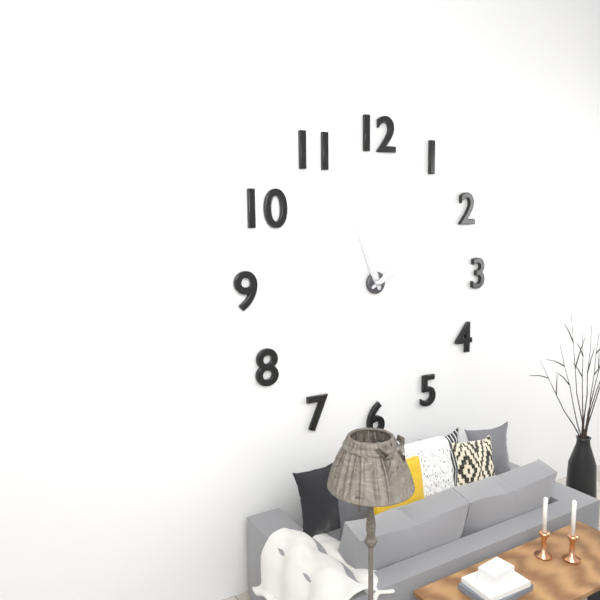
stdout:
{"hour": 11, "minute": 10}
